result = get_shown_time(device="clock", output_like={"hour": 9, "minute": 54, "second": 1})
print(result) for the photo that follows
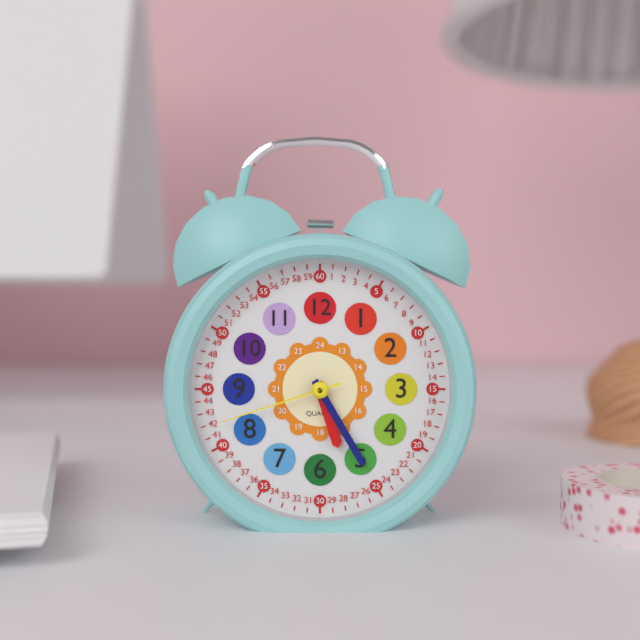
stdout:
{"hour": 5, "minute": 25, "second": 42}
